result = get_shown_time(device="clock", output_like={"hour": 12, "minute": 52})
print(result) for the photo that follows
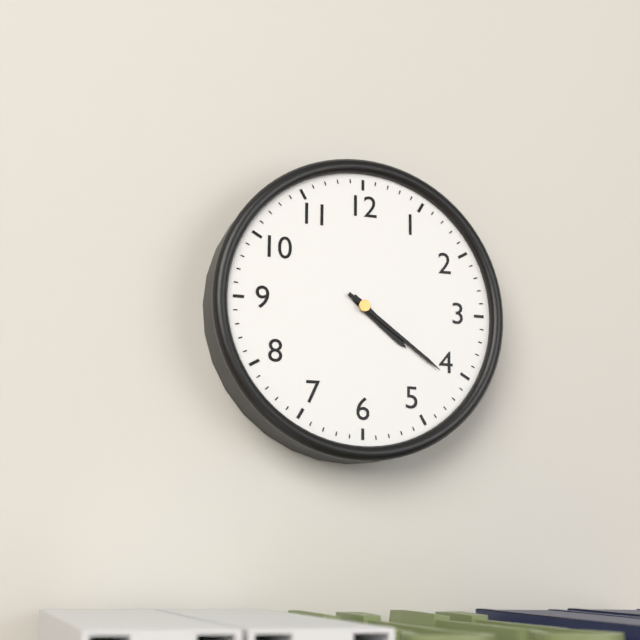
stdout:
{"hour": 4, "minute": 21}
